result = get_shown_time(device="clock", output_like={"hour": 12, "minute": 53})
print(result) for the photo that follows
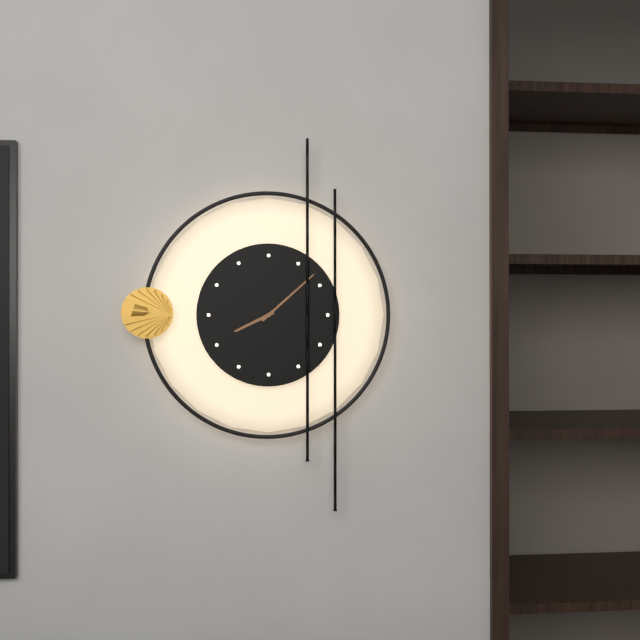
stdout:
{"hour": 8, "minute": 8}
